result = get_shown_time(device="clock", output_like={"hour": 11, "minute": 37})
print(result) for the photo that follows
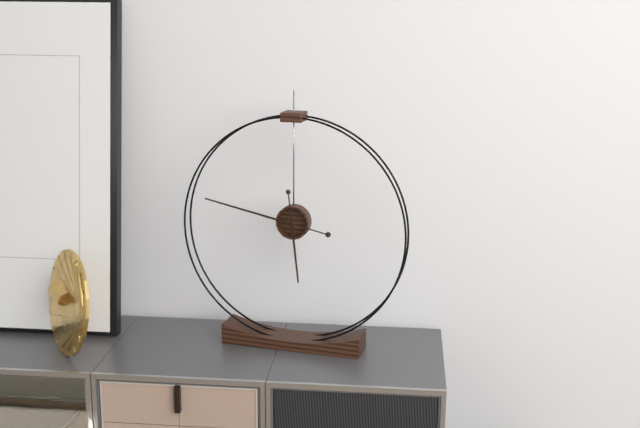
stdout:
{"hour": 5, "minute": 47}
